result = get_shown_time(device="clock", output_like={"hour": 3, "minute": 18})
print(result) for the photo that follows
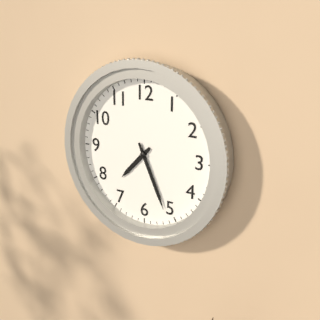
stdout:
{"hour": 7, "minute": 26}
